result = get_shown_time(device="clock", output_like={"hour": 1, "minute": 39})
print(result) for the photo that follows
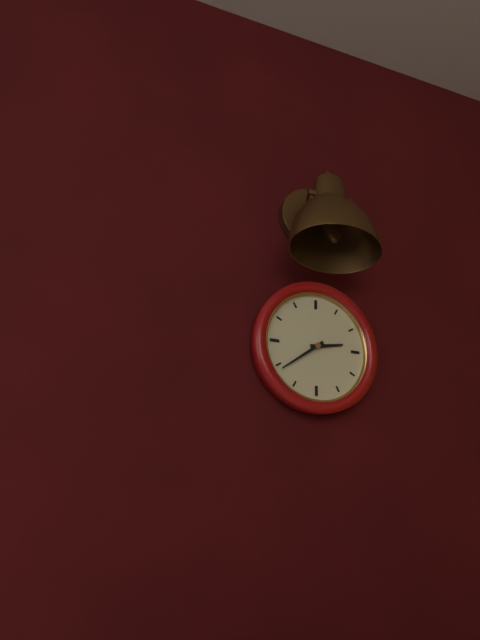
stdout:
{"hour": 2, "minute": 39}
